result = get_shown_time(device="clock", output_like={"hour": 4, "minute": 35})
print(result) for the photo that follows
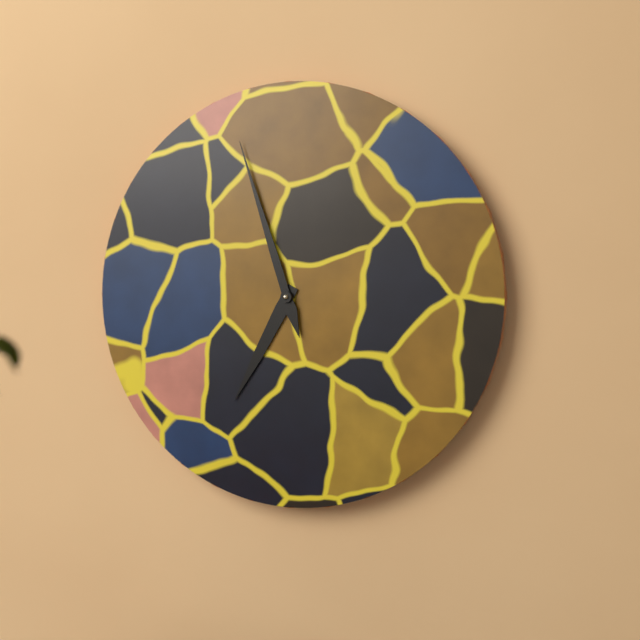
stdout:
{"hour": 6, "minute": 57}
